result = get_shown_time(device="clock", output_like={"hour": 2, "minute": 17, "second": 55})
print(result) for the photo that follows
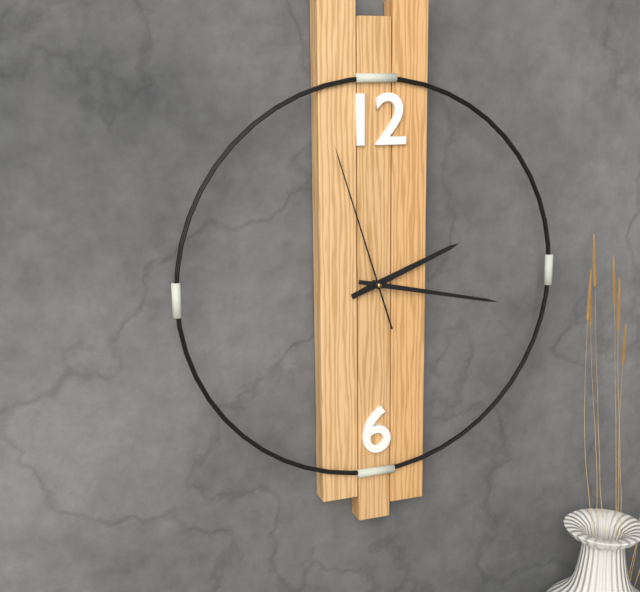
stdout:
{"hour": 2, "minute": 17, "second": 57}
